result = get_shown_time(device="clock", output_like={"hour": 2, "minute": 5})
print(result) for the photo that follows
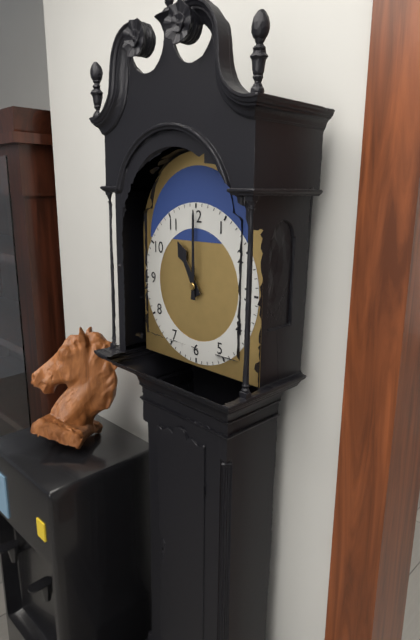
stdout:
{"hour": 11, "minute": 0}
